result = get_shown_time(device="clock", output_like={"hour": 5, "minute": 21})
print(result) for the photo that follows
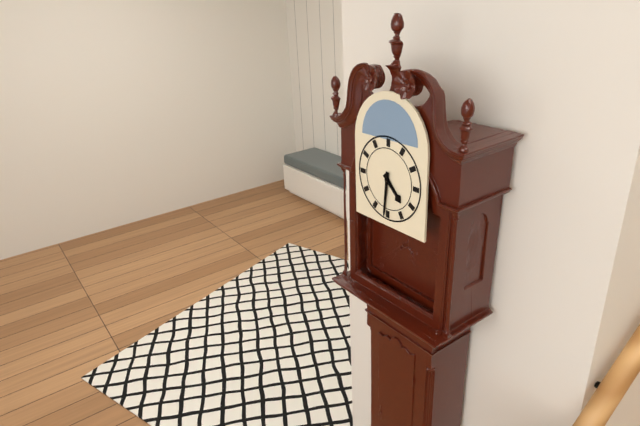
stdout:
{"hour": 4, "minute": 31}
